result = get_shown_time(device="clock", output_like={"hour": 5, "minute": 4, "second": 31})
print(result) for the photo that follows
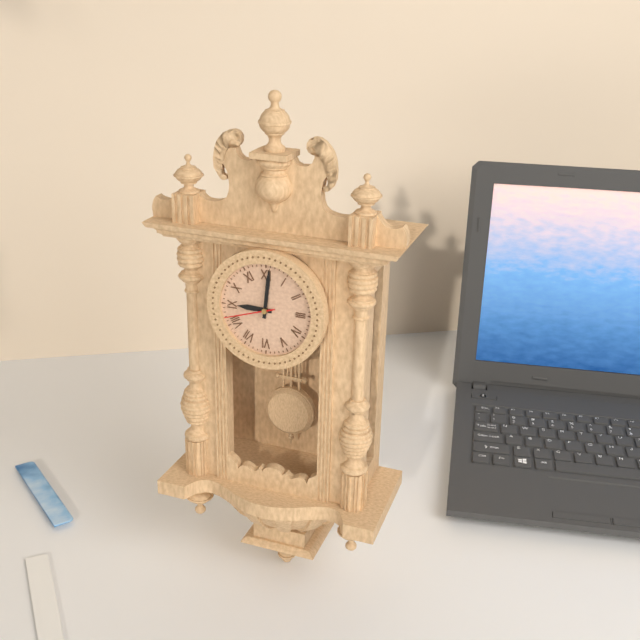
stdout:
{"hour": 9, "minute": 1, "second": 42}
